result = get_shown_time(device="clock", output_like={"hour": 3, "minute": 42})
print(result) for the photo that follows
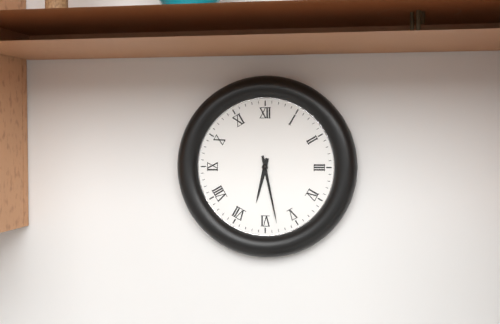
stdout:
{"hour": 6, "minute": 28}
